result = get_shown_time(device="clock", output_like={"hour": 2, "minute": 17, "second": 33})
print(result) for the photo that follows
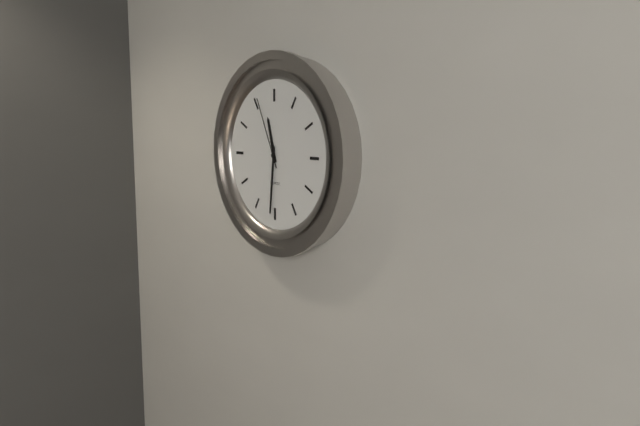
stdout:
{"hour": 11, "minute": 31, "second": 56}
